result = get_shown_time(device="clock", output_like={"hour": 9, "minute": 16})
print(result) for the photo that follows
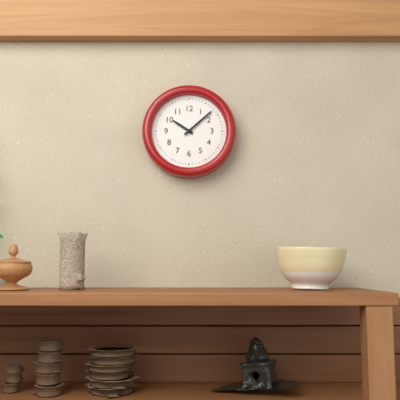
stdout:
{"hour": 10, "minute": 8}
